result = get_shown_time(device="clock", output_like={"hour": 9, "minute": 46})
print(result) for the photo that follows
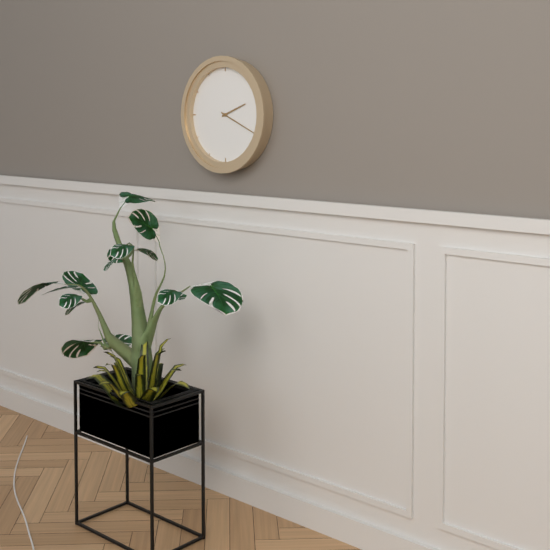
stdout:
{"hour": 2, "minute": 19}
